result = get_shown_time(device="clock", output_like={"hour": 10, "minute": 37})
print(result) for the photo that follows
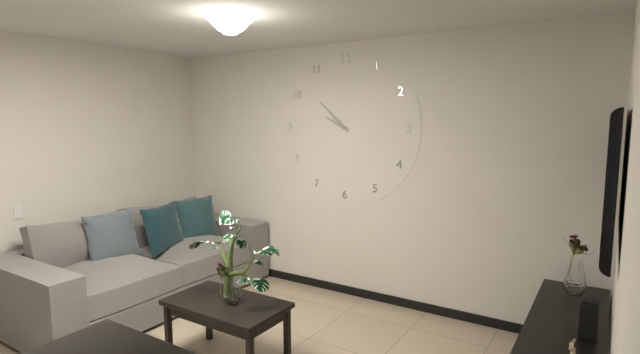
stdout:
{"hour": 9, "minute": 52}
